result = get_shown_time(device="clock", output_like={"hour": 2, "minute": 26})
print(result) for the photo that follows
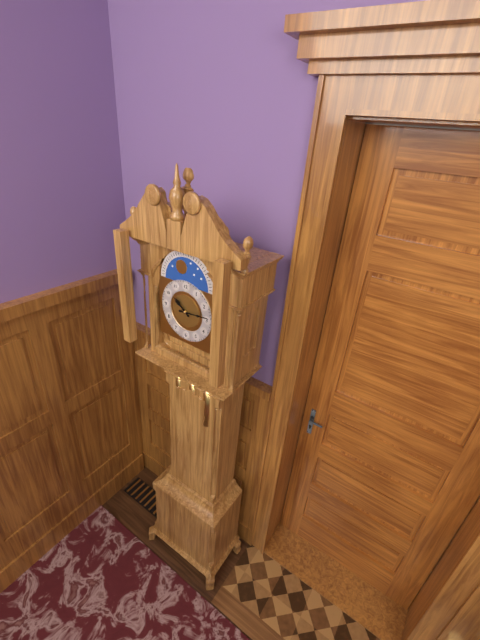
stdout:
{"hour": 10, "minute": 14}
